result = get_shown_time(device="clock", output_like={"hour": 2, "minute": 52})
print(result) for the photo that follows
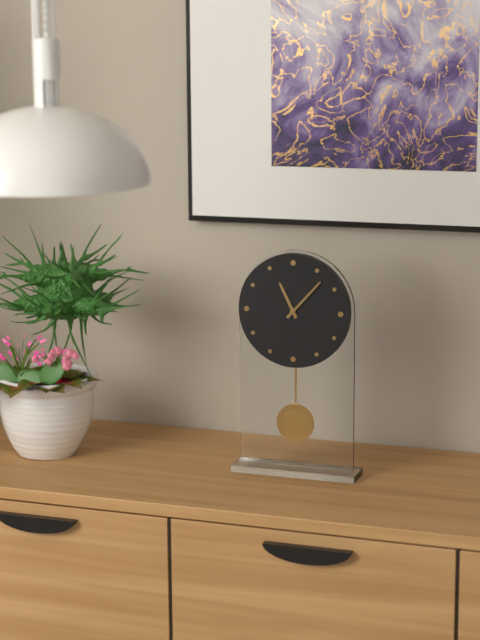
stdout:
{"hour": 11, "minute": 7}
